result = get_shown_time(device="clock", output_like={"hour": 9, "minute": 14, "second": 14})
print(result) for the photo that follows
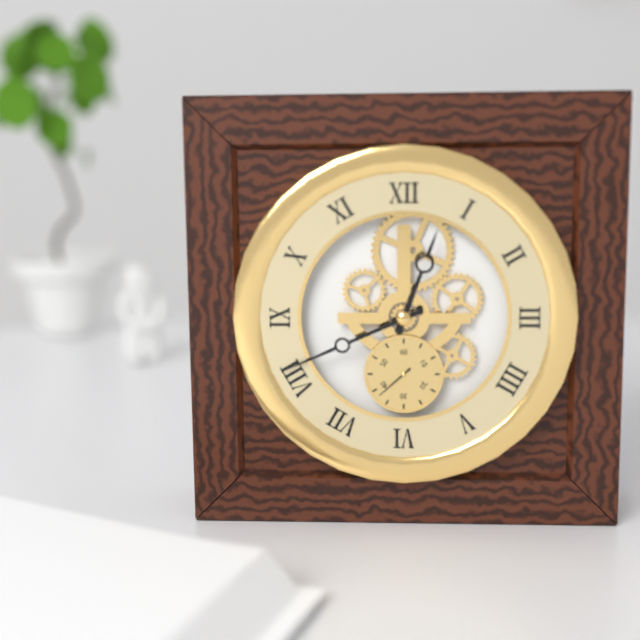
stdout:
{"hour": 12, "minute": 41, "second": 38}
